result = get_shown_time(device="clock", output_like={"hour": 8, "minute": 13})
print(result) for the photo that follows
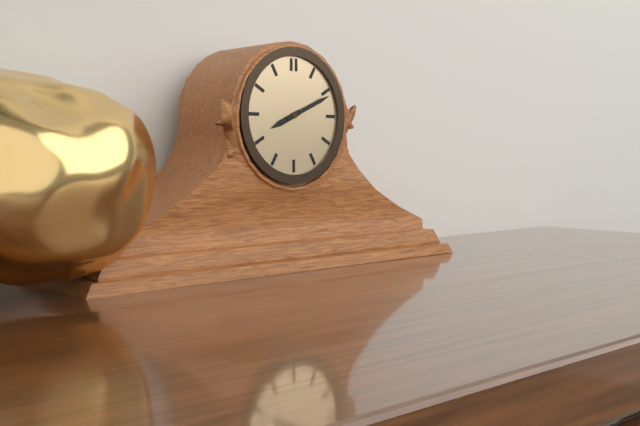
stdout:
{"hour": 8, "minute": 11}
